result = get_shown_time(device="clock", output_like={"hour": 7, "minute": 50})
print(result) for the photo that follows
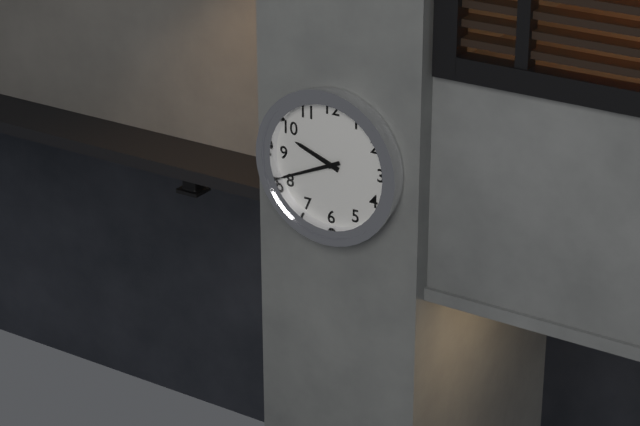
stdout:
{"hour": 9, "minute": 41}
